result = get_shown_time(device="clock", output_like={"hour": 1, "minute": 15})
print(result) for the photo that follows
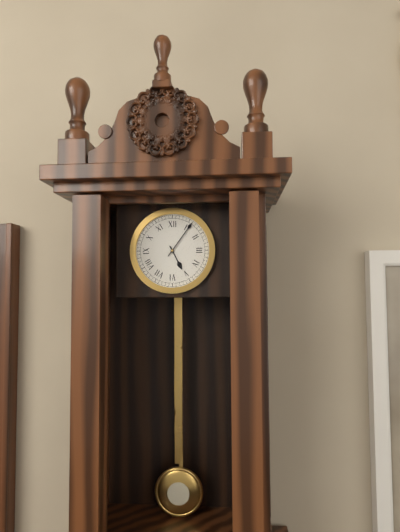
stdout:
{"hour": 5, "minute": 6}
